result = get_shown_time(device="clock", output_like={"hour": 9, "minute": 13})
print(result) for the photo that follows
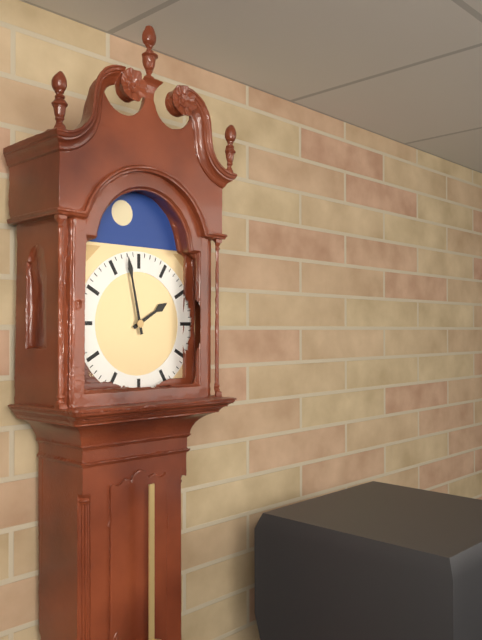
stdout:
{"hour": 1, "minute": 58}
